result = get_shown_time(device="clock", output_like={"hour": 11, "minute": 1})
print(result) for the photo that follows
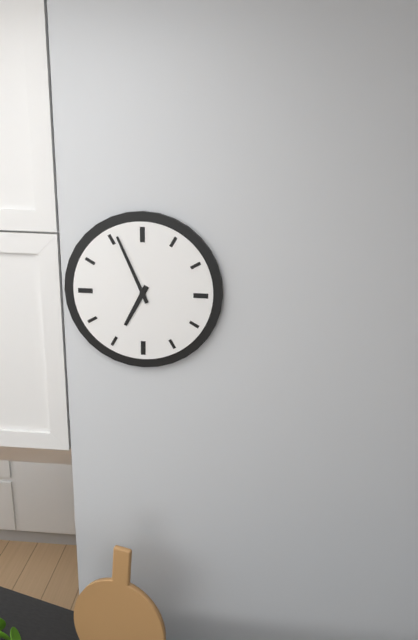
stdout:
{"hour": 6, "minute": 56}
